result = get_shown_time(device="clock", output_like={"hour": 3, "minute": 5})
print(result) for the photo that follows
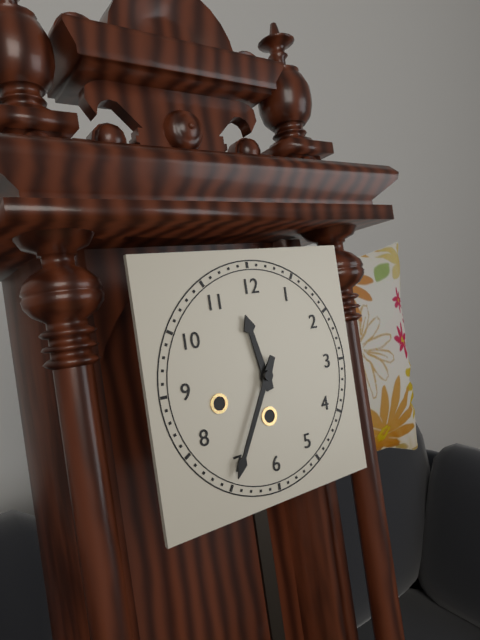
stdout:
{"hour": 11, "minute": 35}
